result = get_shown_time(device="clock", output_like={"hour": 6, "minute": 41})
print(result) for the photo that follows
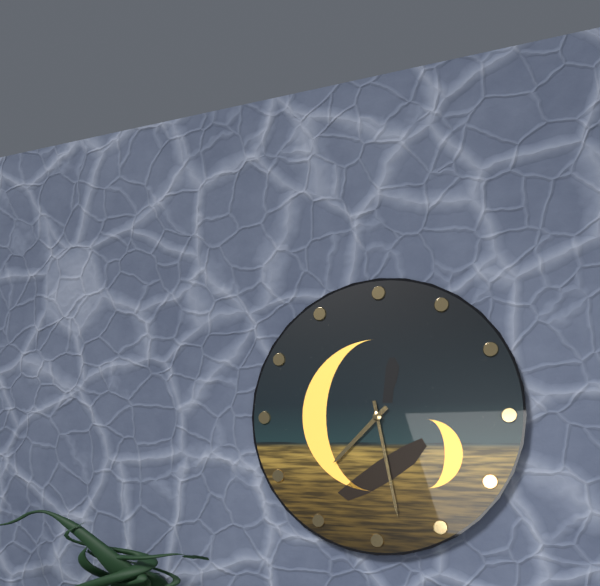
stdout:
{"hour": 7, "minute": 28}
